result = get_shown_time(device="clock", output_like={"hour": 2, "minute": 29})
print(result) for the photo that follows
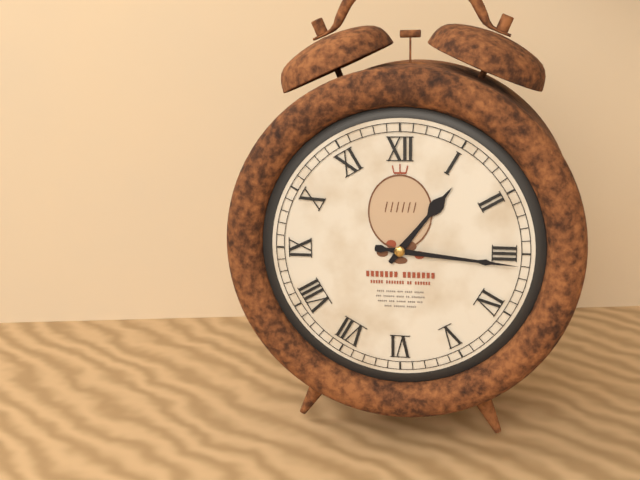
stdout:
{"hour": 1, "minute": 16}
